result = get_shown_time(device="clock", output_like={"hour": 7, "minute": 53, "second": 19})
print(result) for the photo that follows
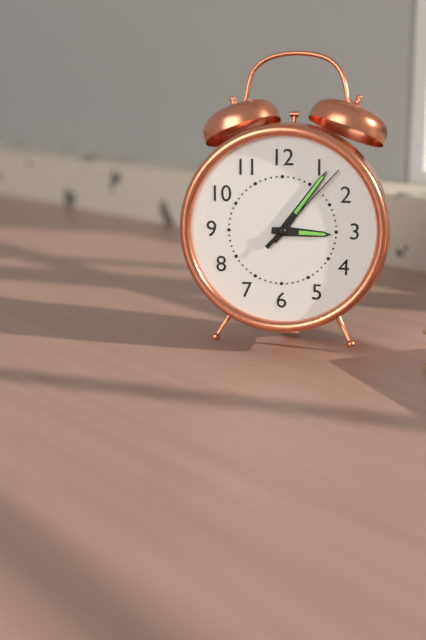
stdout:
{"hour": 3, "minute": 6, "second": 7}
